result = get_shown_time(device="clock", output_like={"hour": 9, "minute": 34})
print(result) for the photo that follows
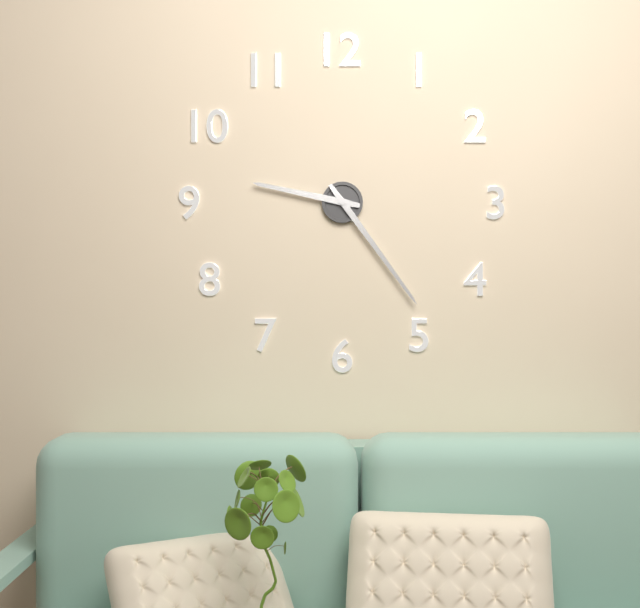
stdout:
{"hour": 9, "minute": 24}
